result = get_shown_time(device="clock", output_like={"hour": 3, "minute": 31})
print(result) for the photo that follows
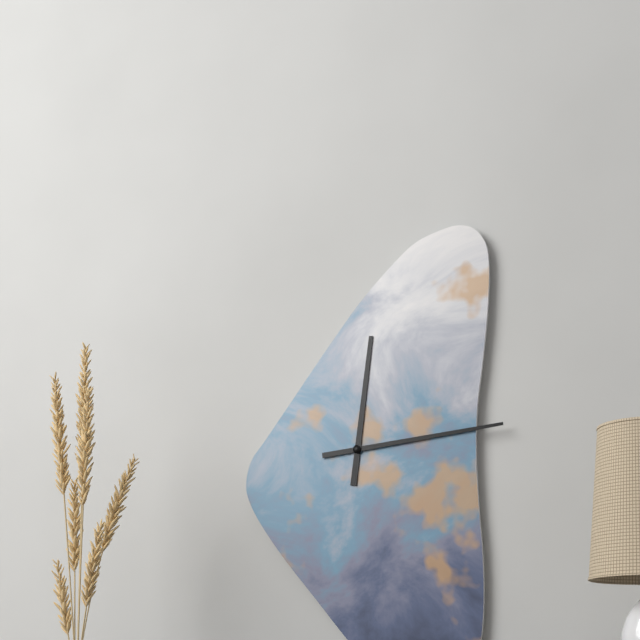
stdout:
{"hour": 12, "minute": 14}
